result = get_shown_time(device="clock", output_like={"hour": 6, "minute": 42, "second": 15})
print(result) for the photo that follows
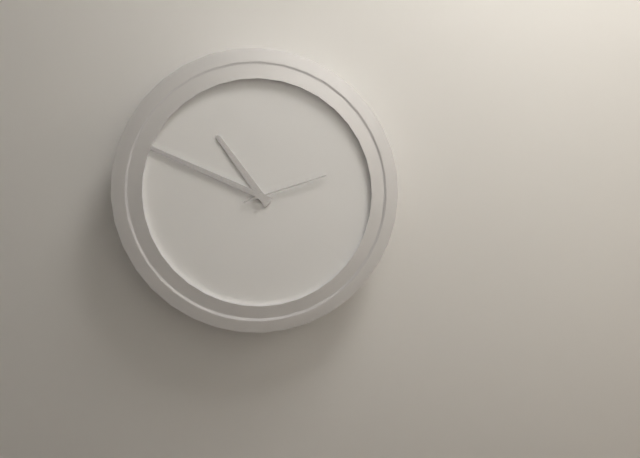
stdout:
{"hour": 10, "minute": 49, "second": 12}
